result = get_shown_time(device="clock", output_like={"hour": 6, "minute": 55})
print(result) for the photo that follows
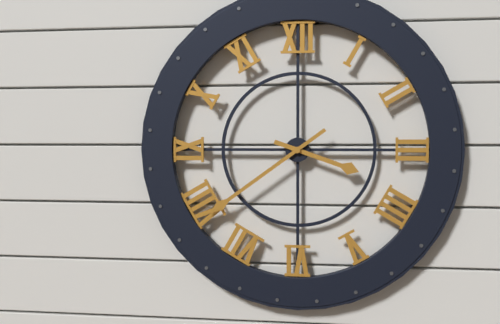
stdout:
{"hour": 3, "minute": 39}
